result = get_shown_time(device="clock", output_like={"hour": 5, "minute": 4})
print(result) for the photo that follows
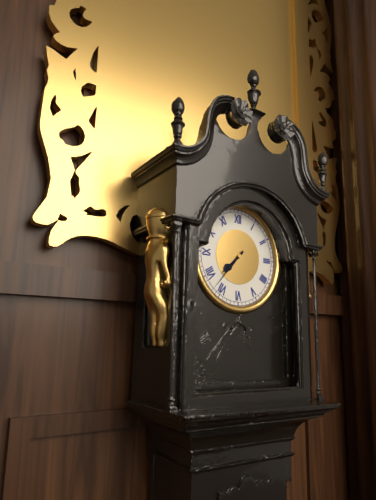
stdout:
{"hour": 7, "minute": 37}
